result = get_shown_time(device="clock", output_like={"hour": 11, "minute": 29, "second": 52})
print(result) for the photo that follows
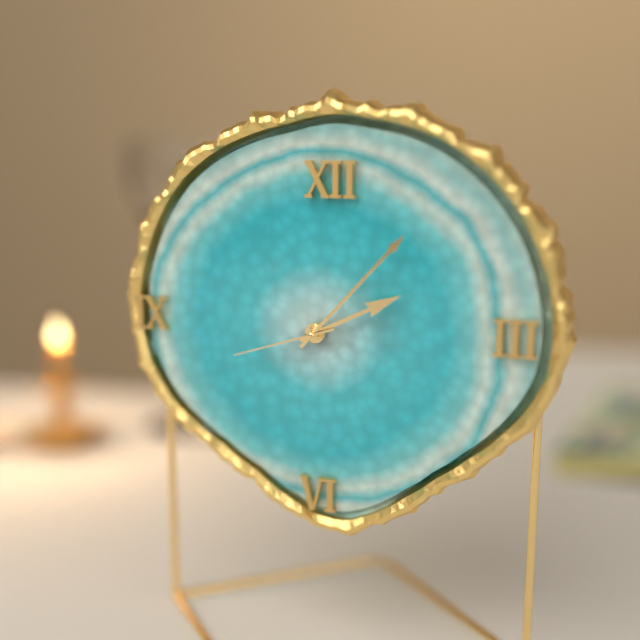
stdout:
{"hour": 2, "minute": 7, "second": 42}
